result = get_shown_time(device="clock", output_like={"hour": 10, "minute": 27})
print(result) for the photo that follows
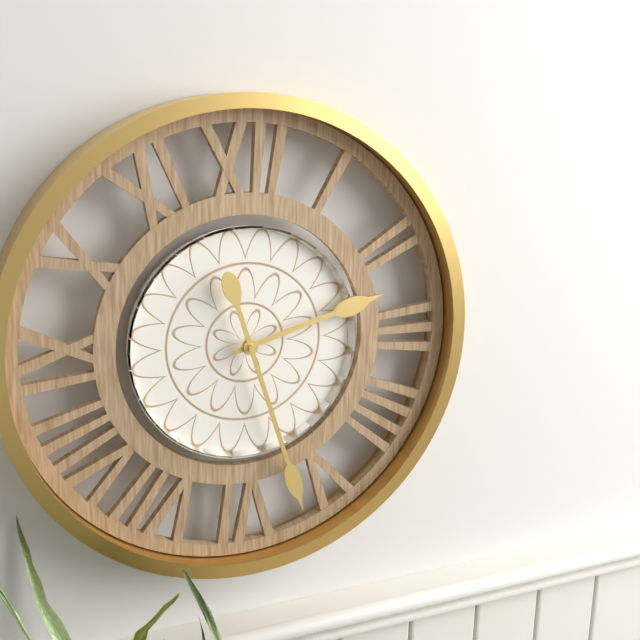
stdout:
{"hour": 2, "minute": 27}
